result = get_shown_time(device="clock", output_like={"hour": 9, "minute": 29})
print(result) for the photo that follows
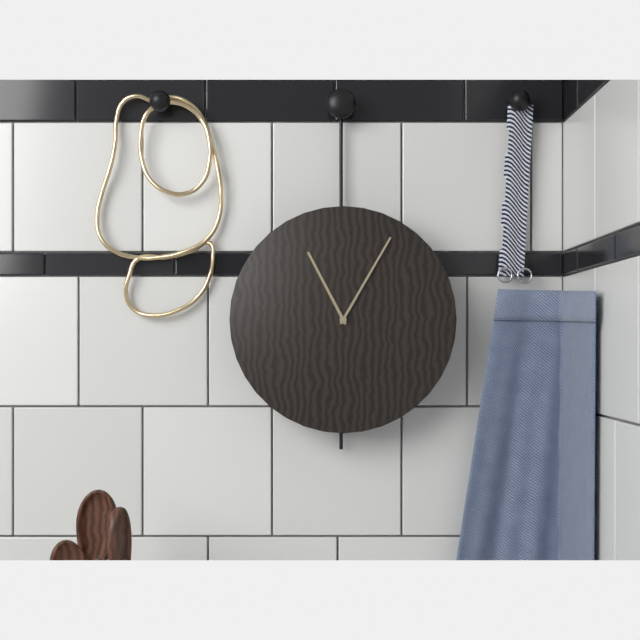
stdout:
{"hour": 11, "minute": 5}
